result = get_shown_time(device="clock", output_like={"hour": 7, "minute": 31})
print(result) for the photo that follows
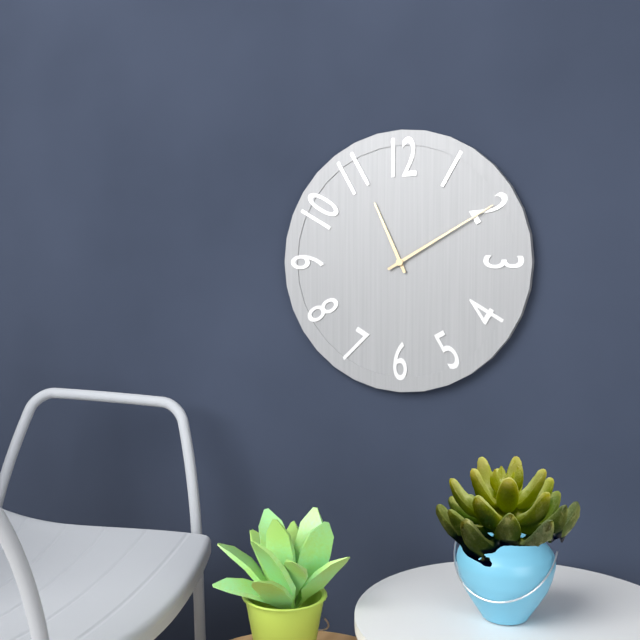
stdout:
{"hour": 11, "minute": 10}
